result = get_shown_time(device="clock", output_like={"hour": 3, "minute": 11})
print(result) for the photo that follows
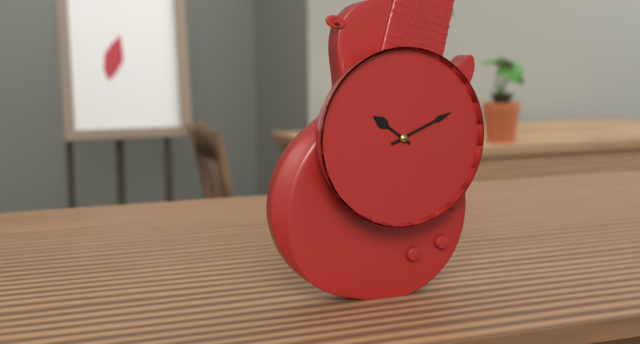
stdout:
{"hour": 10, "minute": 11}
